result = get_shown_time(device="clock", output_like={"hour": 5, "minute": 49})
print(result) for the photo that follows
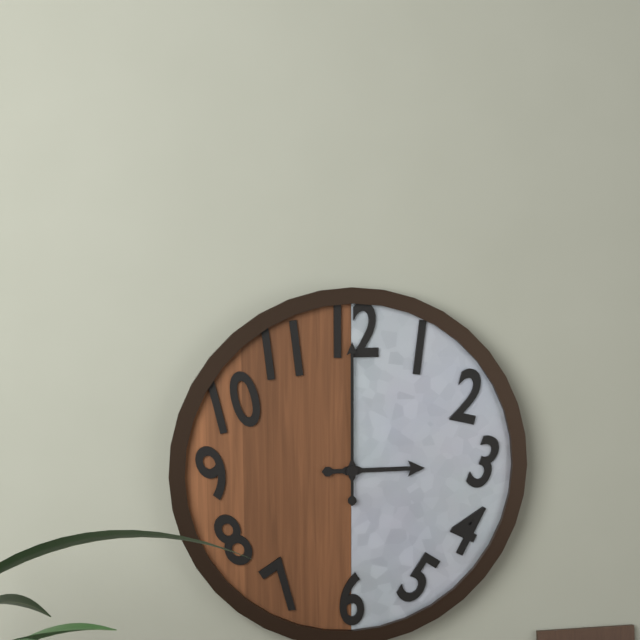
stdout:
{"hour": 3, "minute": 0}
